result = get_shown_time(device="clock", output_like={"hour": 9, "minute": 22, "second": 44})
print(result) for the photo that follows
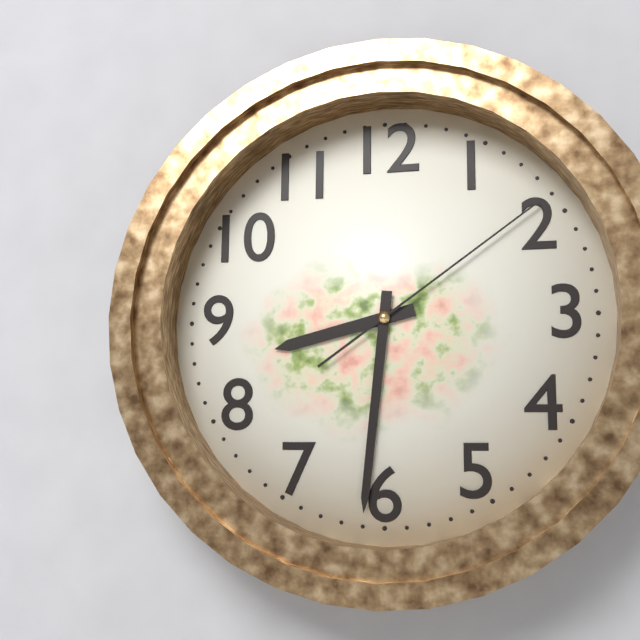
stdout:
{"hour": 8, "minute": 31, "second": 9}
